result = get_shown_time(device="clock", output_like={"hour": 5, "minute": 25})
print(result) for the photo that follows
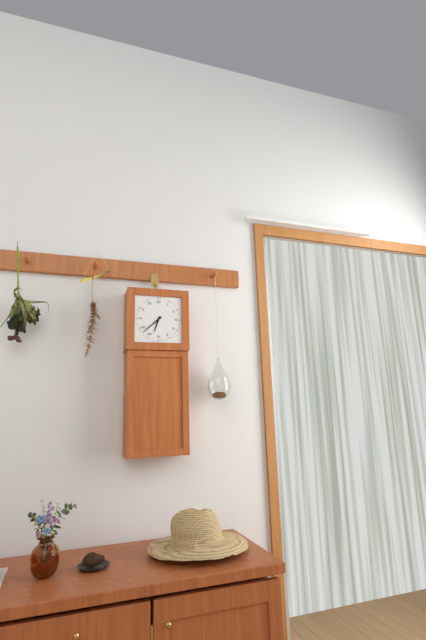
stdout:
{"hour": 6, "minute": 38}
